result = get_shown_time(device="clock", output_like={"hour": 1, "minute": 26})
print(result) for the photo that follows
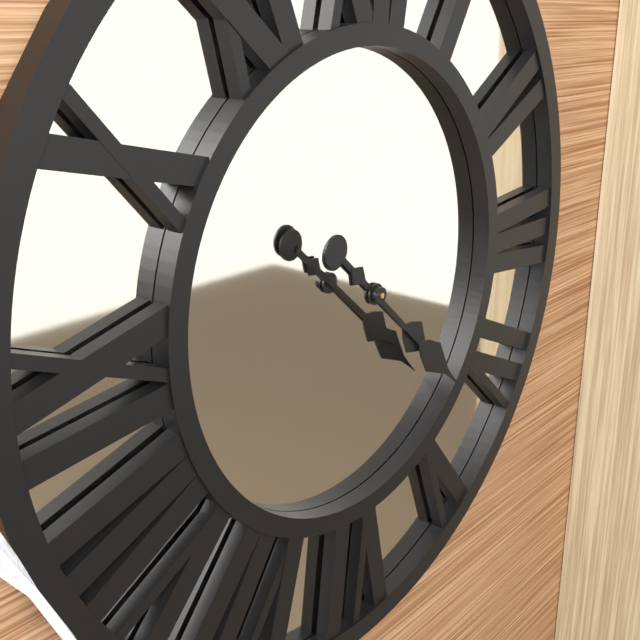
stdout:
{"hour": 4, "minute": 22}
